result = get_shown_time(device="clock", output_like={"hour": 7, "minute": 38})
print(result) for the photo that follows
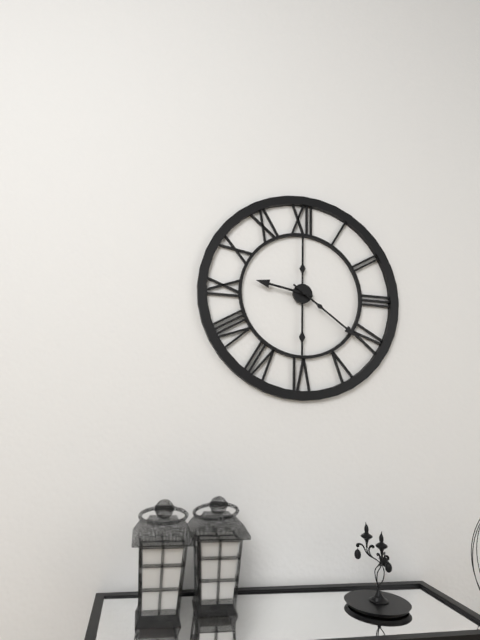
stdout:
{"hour": 9, "minute": 21}
